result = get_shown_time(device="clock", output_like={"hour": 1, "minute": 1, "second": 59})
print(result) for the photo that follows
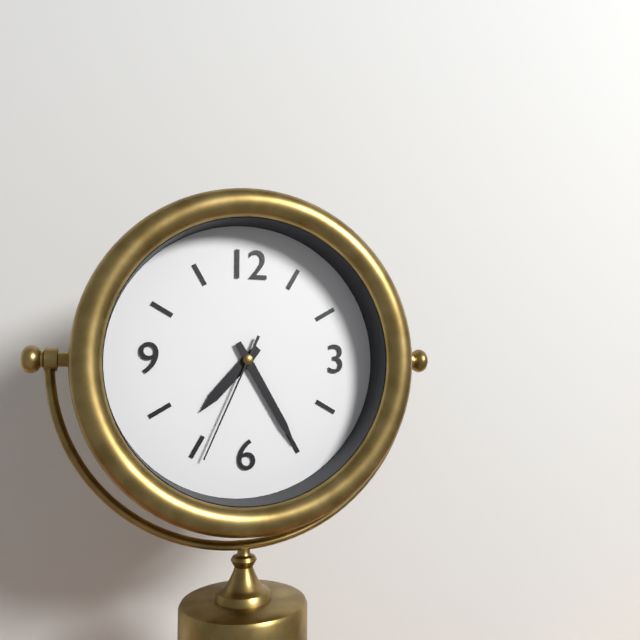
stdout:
{"hour": 7, "minute": 25, "second": 34}
